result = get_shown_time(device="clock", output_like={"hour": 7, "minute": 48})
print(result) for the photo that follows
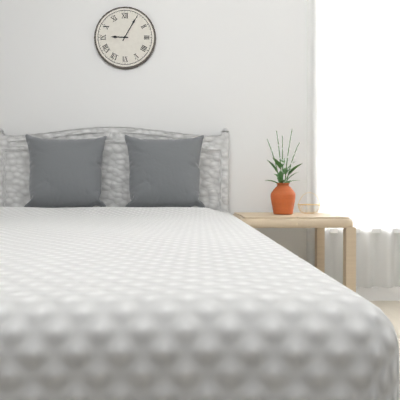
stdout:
{"hour": 9, "minute": 5}
